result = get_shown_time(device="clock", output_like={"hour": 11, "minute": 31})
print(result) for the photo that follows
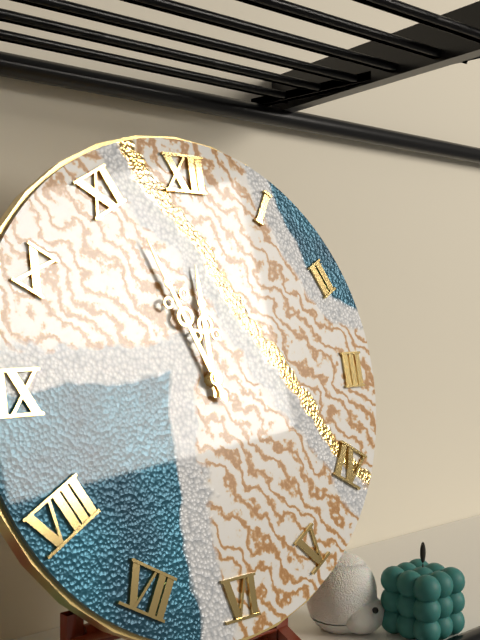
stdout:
{"hour": 11, "minute": 56}
